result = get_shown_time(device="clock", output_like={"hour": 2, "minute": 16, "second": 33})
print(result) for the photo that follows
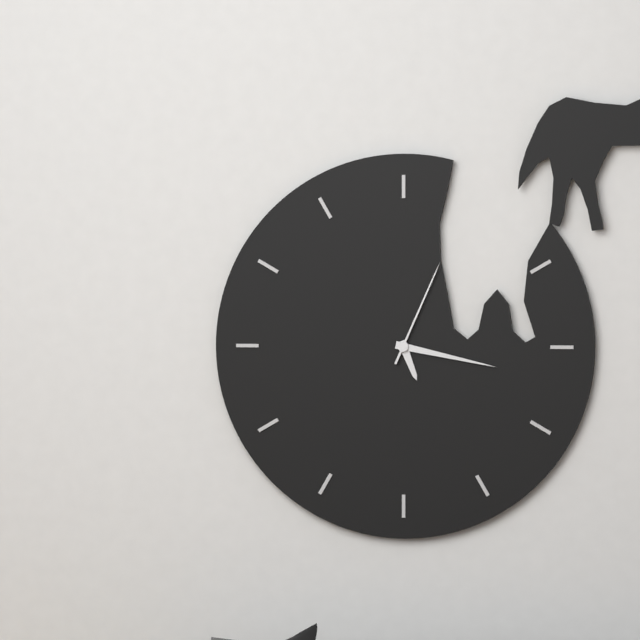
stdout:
{"hour": 5, "minute": 17, "second": 4}
